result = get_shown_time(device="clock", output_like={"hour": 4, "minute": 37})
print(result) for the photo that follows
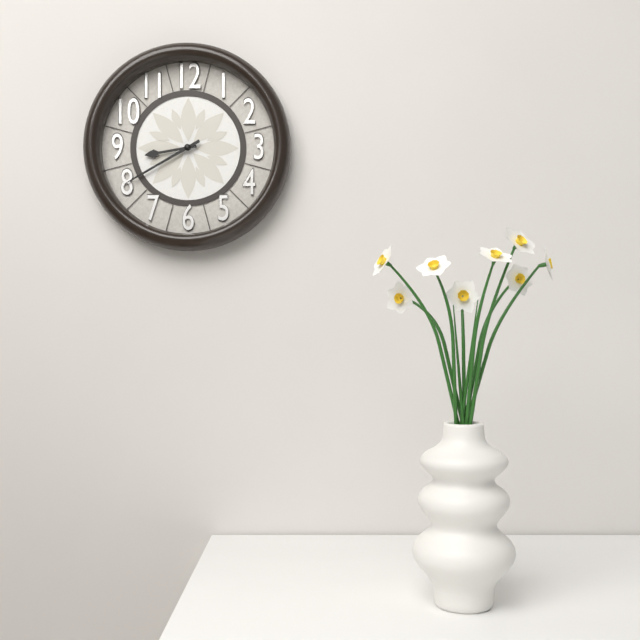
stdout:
{"hour": 8, "minute": 40}
